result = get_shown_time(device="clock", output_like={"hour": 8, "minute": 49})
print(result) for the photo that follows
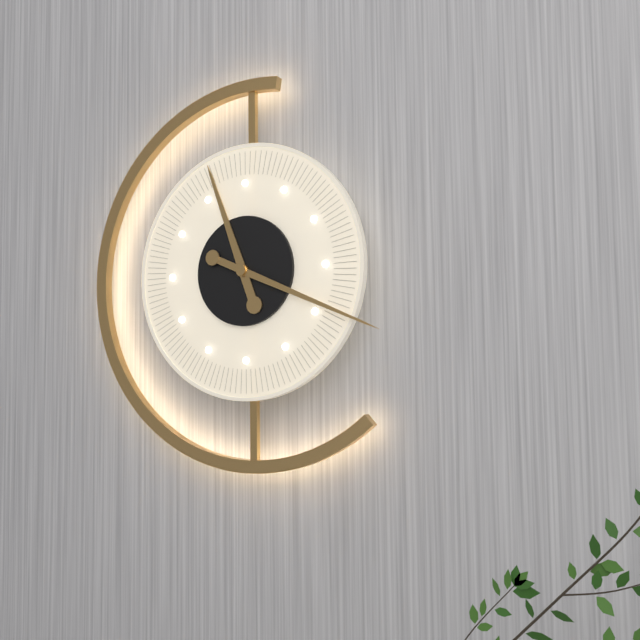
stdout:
{"hour": 11, "minute": 19}
